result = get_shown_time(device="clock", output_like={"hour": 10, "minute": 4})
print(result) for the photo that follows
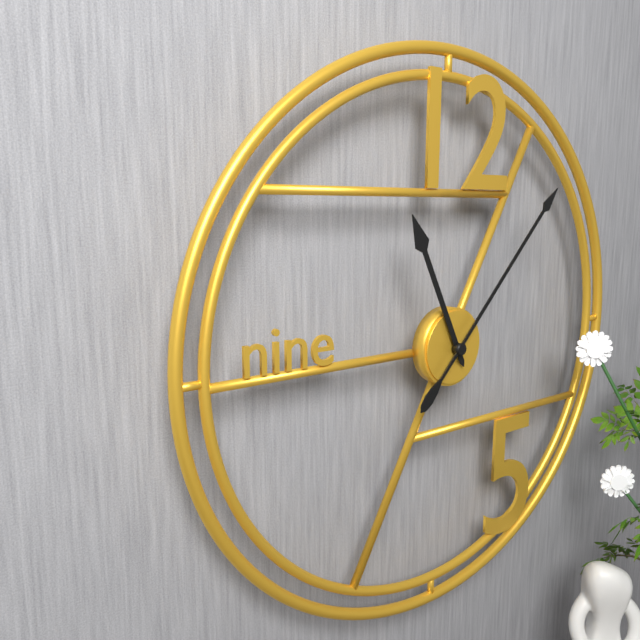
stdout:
{"hour": 11, "minute": 7}
